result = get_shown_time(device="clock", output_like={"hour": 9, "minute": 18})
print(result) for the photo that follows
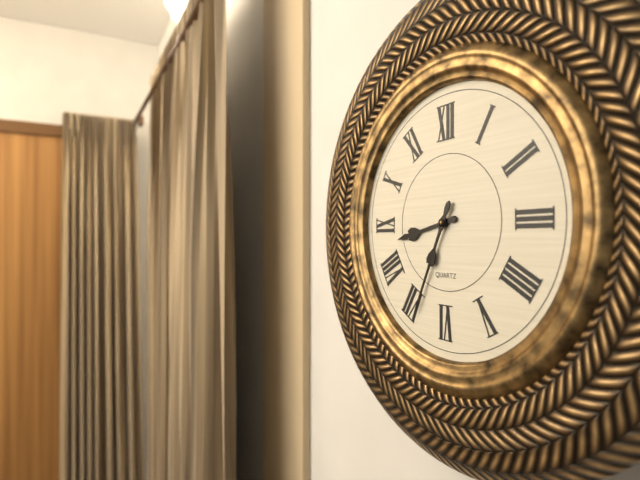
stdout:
{"hour": 8, "minute": 34}
